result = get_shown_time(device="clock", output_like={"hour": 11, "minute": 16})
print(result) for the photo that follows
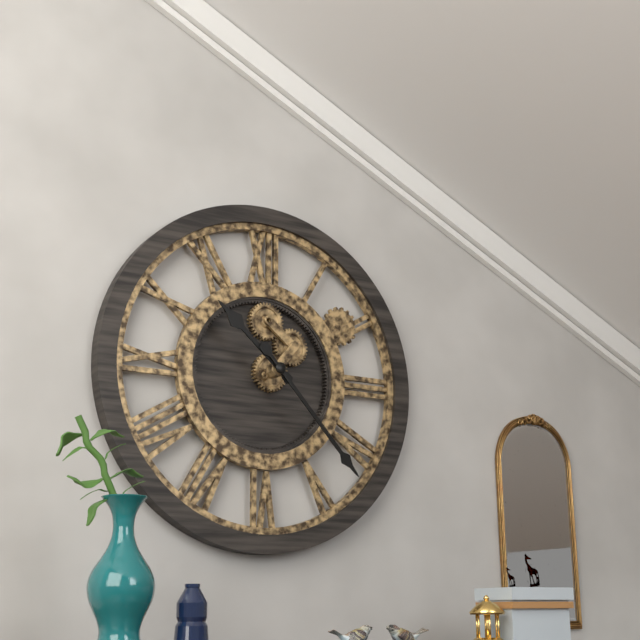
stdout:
{"hour": 10, "minute": 23}
